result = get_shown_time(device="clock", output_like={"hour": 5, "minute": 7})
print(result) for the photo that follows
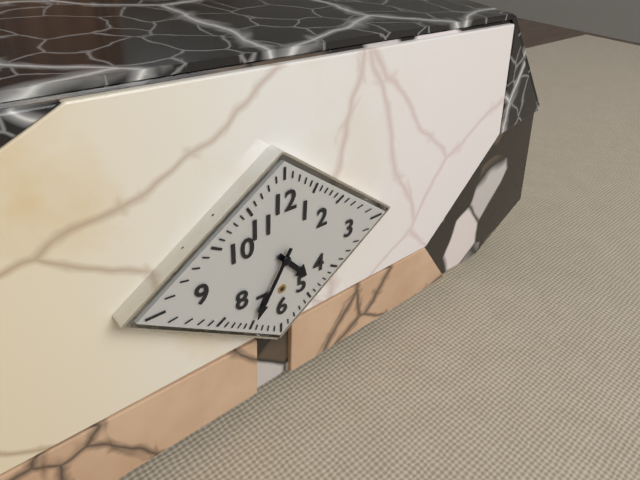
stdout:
{"hour": 4, "minute": 35}
